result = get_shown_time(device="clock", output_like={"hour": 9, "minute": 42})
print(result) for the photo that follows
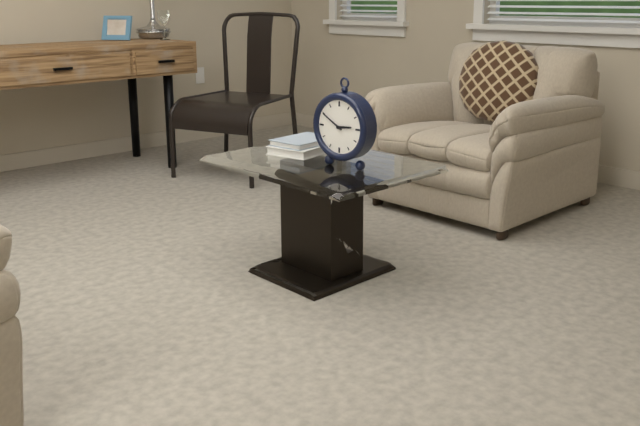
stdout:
{"hour": 2, "minute": 50}
